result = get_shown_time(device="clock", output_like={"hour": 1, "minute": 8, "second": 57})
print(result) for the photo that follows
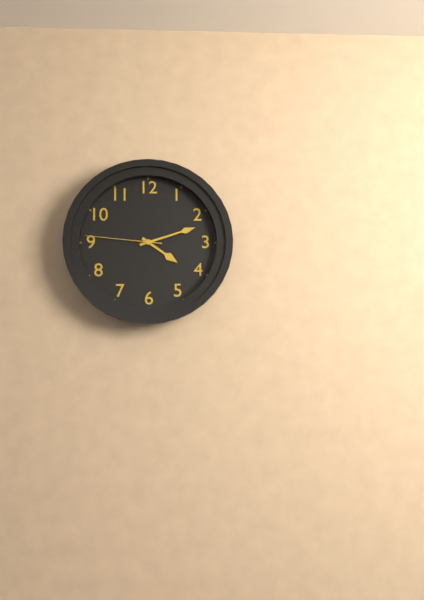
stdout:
{"hour": 4, "minute": 12, "second": 46}
